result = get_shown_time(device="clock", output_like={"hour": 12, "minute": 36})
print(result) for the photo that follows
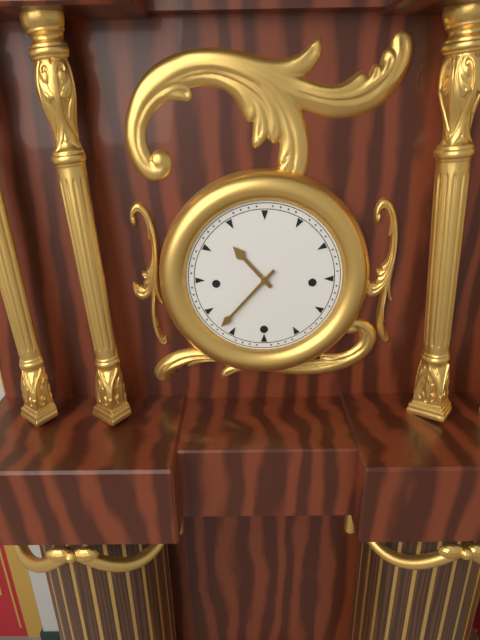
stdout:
{"hour": 10, "minute": 37}
